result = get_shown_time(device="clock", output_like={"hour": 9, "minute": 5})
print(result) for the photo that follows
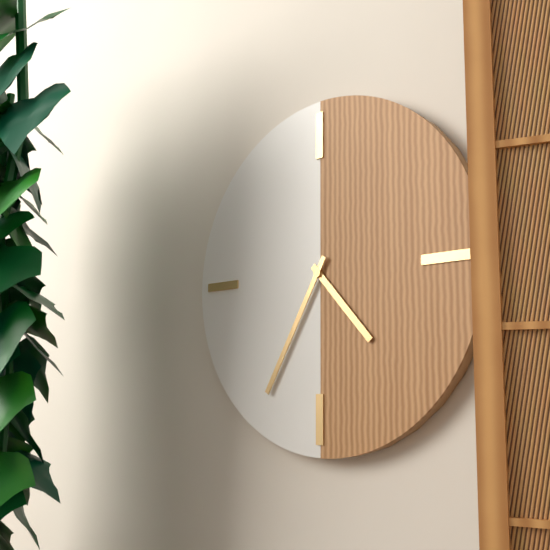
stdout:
{"hour": 4, "minute": 35}
